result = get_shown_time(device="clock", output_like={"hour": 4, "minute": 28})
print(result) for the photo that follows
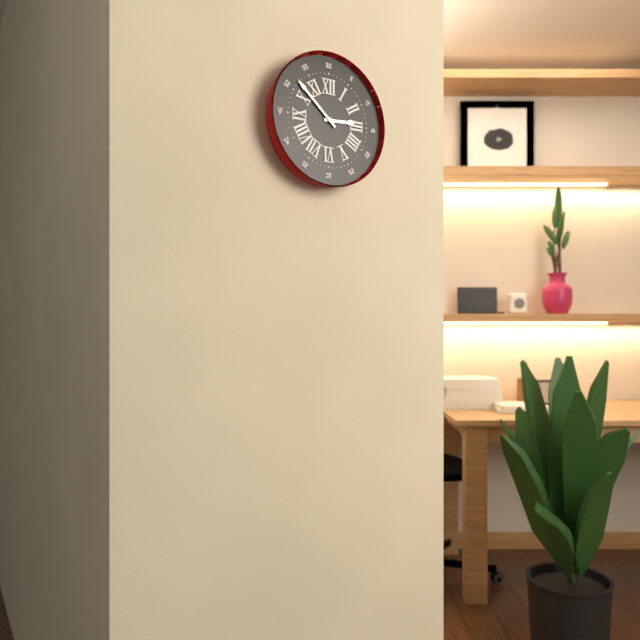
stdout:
{"hour": 2, "minute": 52}
